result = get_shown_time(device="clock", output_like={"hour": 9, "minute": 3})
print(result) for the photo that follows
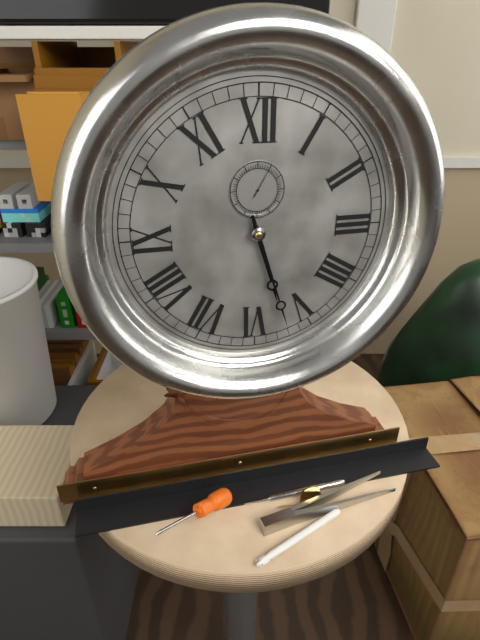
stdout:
{"hour": 5, "minute": 27}
